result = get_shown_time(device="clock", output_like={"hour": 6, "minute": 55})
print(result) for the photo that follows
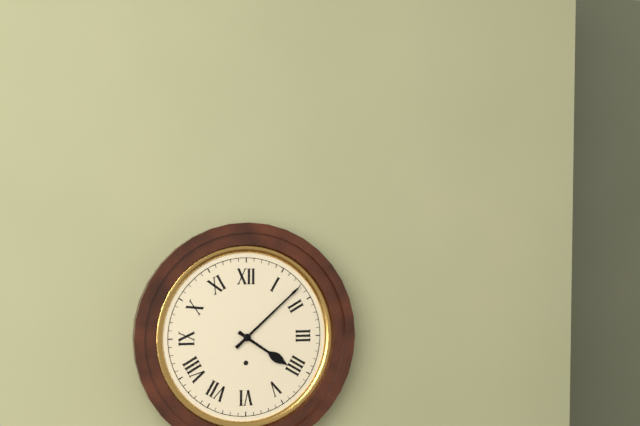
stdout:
{"hour": 4, "minute": 8}
